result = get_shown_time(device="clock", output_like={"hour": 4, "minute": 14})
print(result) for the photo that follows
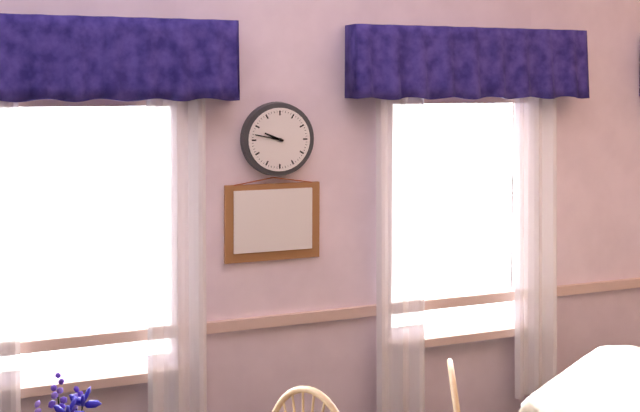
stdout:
{"hour": 9, "minute": 47}
